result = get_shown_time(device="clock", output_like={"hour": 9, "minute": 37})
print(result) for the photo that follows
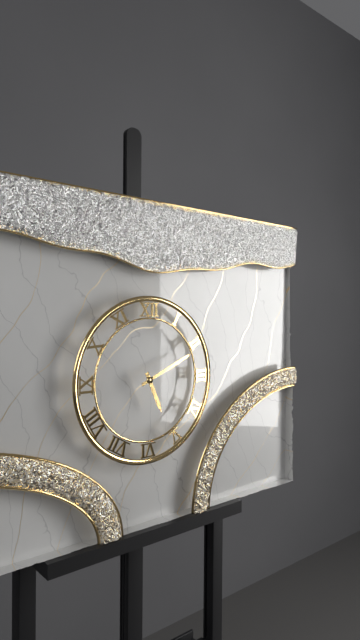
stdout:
{"hour": 5, "minute": 11}
